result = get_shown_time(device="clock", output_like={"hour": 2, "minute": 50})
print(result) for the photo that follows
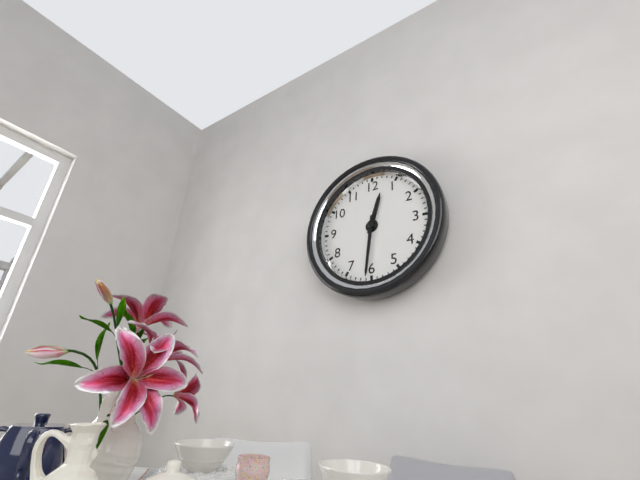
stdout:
{"hour": 12, "minute": 31}
